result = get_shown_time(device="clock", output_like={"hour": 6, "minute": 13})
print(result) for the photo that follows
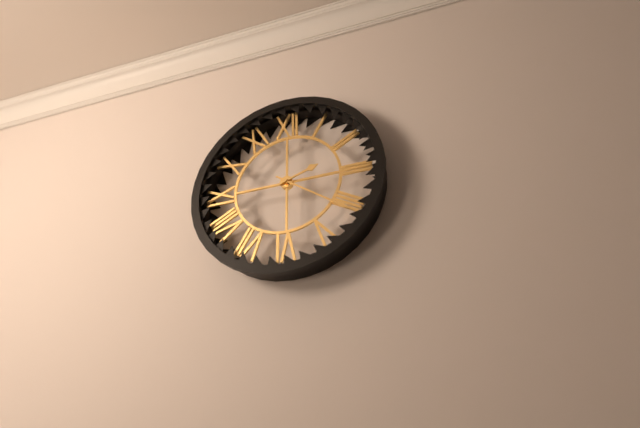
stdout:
{"hour": 2, "minute": 21}
